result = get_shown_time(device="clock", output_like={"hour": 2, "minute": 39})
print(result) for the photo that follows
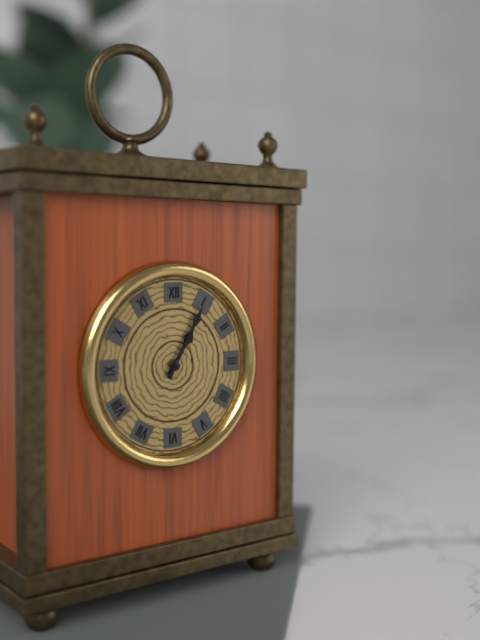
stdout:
{"hour": 1, "minute": 5}
